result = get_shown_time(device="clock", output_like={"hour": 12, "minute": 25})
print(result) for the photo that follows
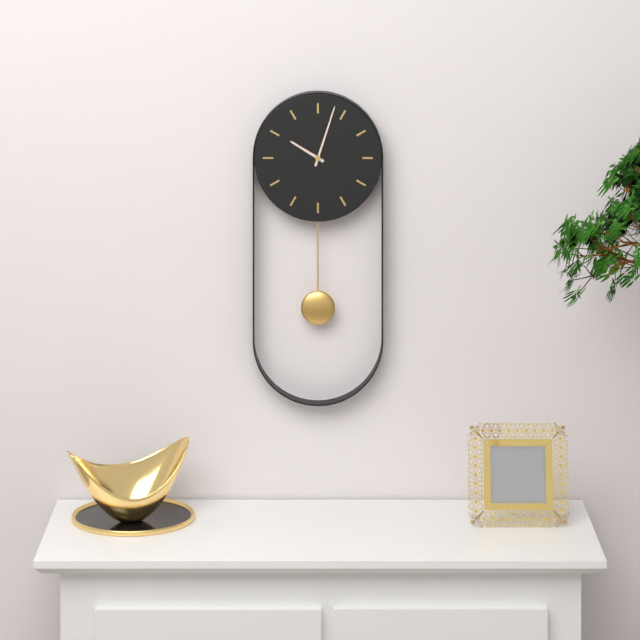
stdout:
{"hour": 10, "minute": 3}
